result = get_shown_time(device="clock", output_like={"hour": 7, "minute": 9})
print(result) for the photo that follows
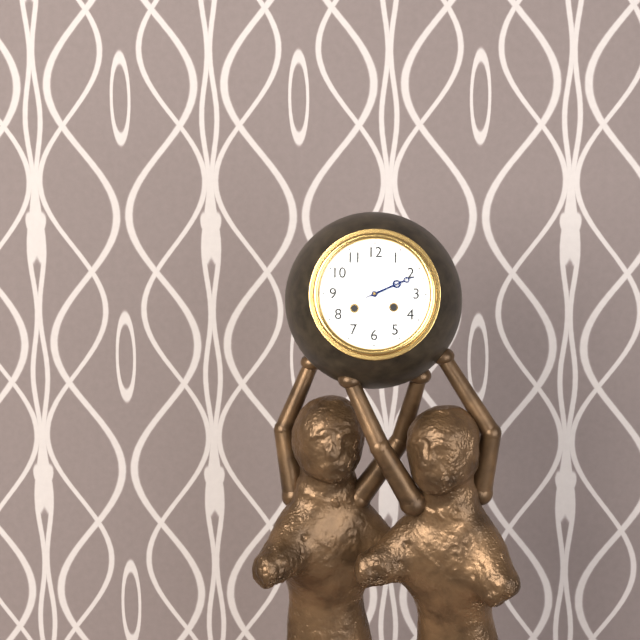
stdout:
{"hour": 2, "minute": 11}
